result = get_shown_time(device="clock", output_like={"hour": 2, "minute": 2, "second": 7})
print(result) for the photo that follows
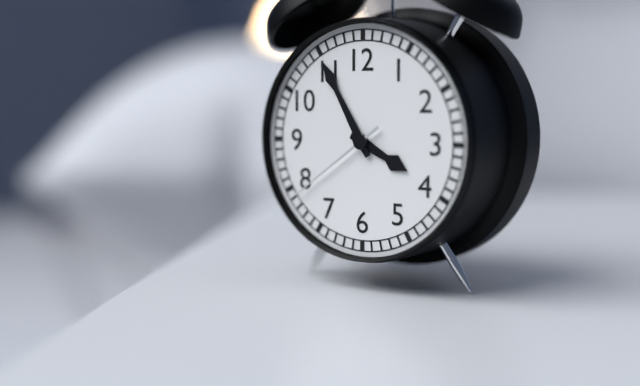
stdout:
{"hour": 3, "minute": 55, "second": 39}
